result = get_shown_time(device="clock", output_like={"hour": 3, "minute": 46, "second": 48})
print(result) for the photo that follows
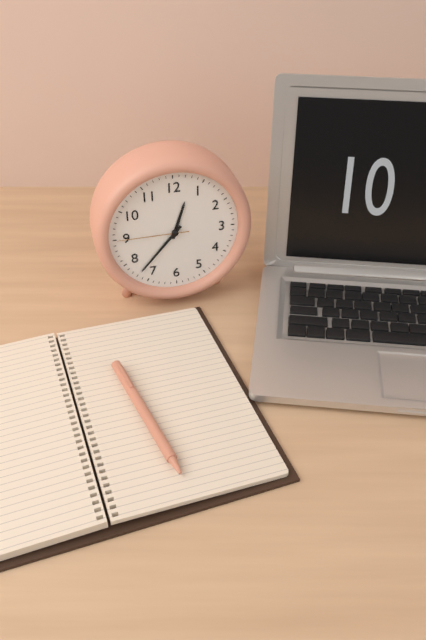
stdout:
{"hour": 12, "minute": 37, "second": 45}
